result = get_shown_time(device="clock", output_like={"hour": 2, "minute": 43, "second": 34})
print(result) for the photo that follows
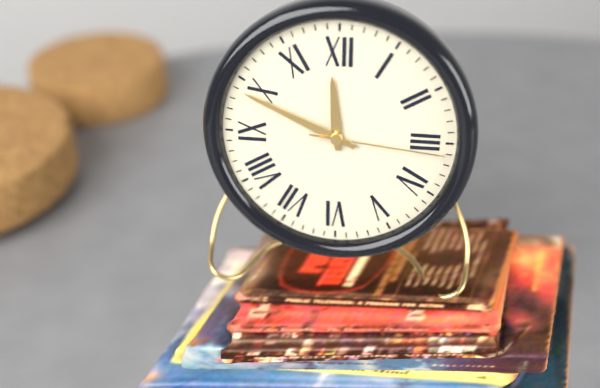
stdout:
{"hour": 11, "minute": 49, "second": 16}
